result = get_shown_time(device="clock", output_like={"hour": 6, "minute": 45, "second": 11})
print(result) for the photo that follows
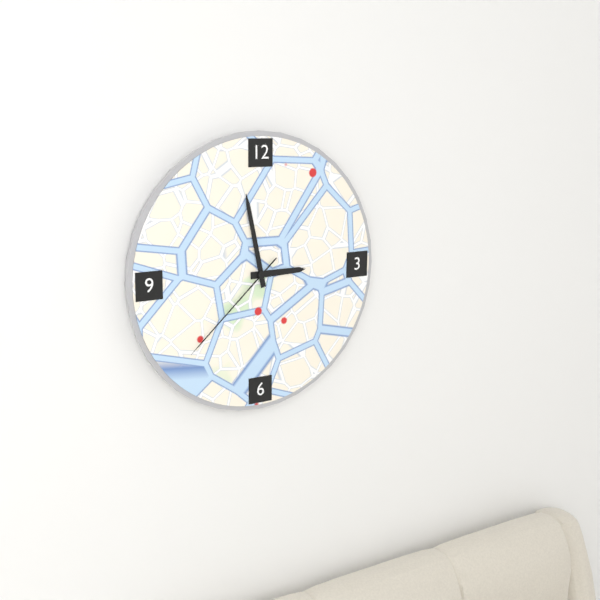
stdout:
{"hour": 2, "minute": 58, "second": 38}
